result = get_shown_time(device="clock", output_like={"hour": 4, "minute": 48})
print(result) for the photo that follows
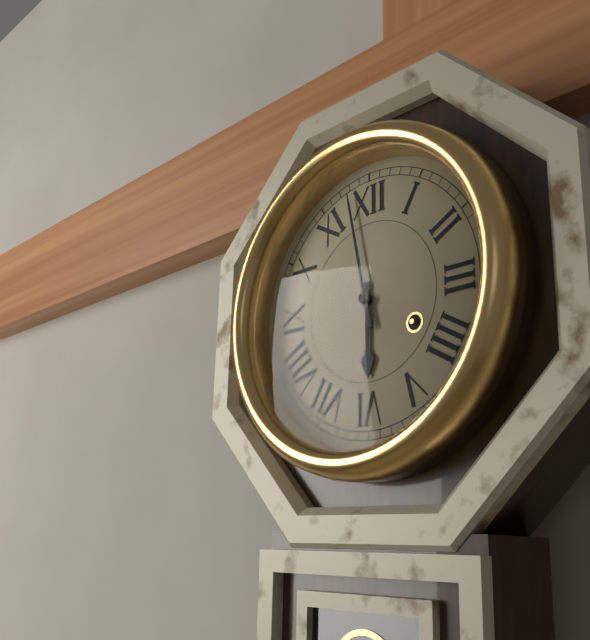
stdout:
{"hour": 5, "minute": 58}
